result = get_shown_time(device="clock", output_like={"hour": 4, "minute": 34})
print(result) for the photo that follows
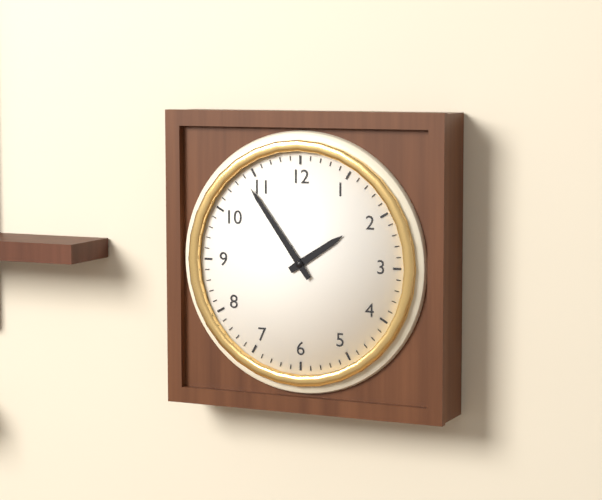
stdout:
{"hour": 1, "minute": 54}
